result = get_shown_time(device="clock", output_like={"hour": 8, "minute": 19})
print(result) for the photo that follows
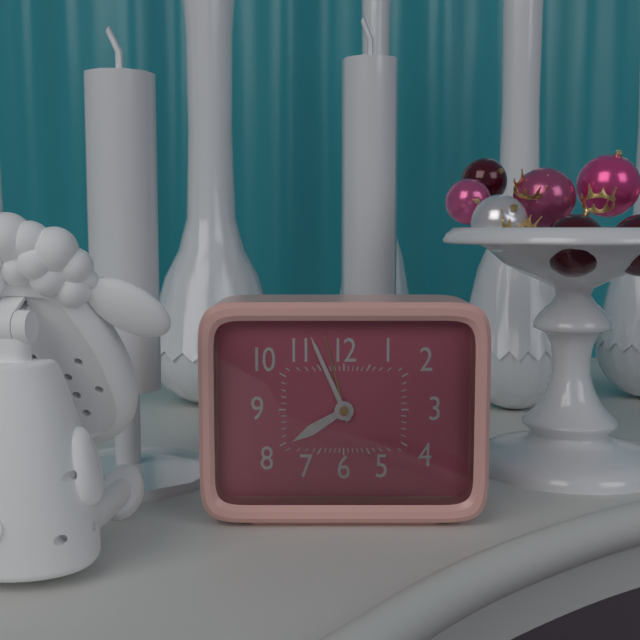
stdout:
{"hour": 7, "minute": 56}
